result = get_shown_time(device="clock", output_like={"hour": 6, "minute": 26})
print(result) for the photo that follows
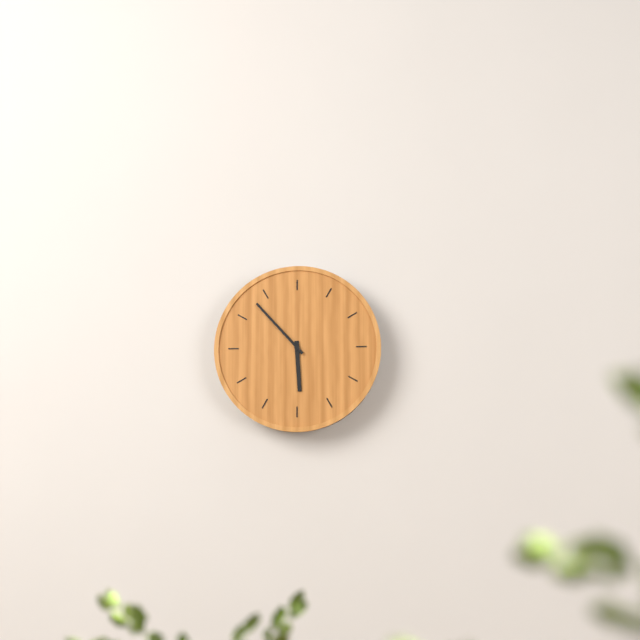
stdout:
{"hour": 5, "minute": 53}
